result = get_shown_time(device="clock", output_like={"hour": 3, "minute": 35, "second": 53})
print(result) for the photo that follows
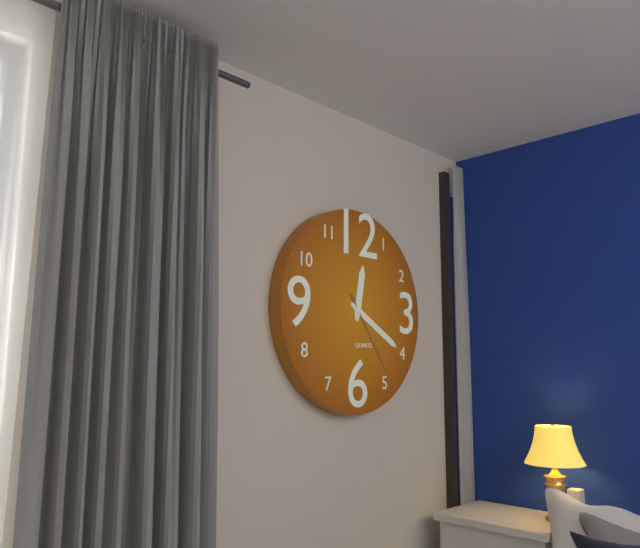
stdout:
{"hour": 12, "minute": 20, "second": 24}
